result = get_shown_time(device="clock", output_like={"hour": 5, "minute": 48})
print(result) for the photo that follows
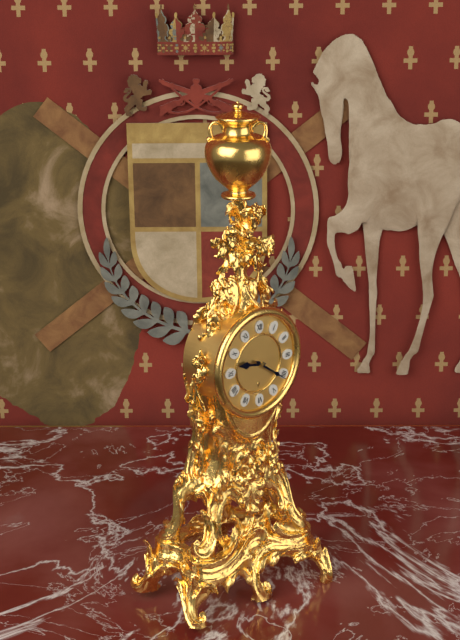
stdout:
{"hour": 9, "minute": 21}
